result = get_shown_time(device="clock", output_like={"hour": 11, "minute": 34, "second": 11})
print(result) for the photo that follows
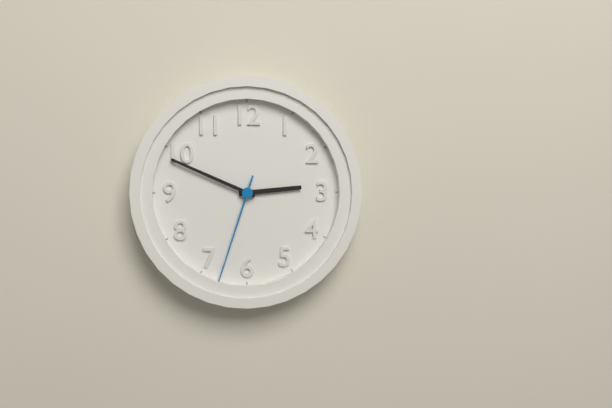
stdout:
{"hour": 2, "minute": 49, "second": 33}
